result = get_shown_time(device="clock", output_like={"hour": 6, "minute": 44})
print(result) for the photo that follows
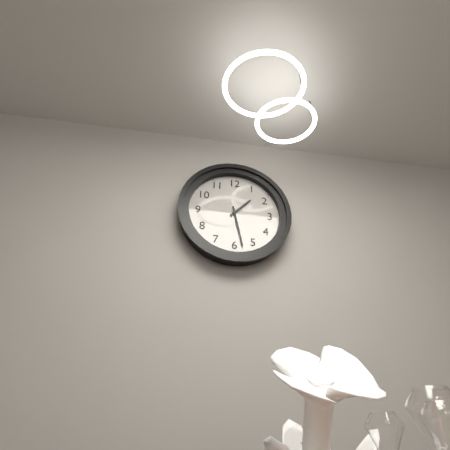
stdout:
{"hour": 1, "minute": 28}
